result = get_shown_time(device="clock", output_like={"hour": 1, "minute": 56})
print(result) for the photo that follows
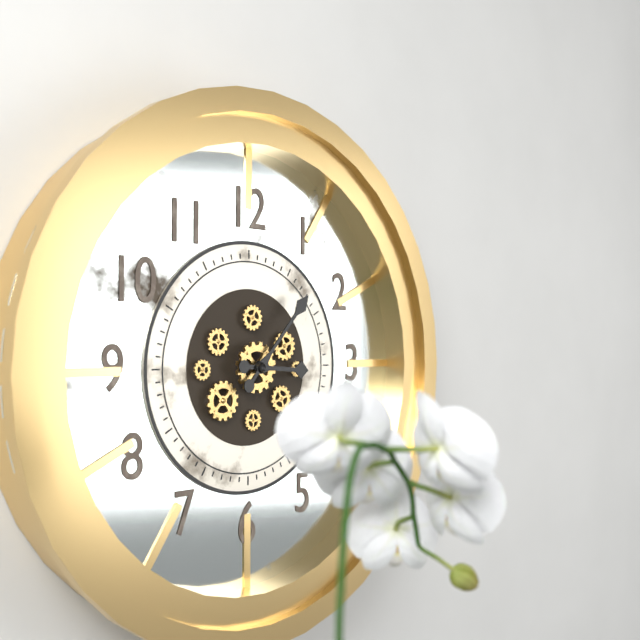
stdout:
{"hour": 3, "minute": 7}
